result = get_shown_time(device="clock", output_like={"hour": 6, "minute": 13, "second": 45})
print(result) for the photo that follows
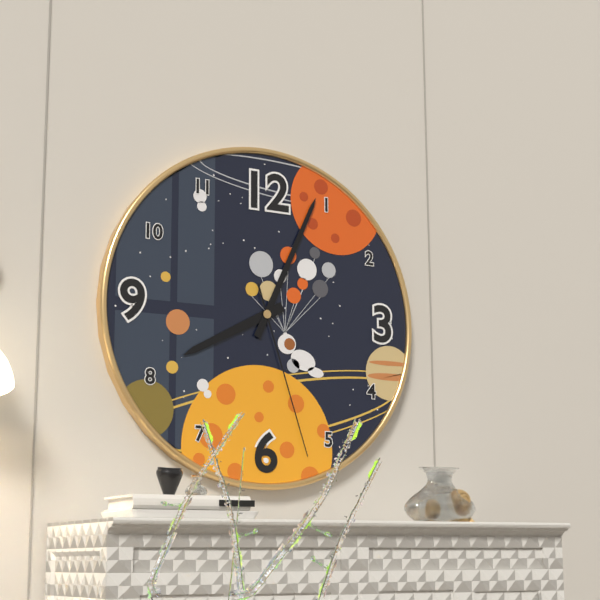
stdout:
{"hour": 8, "minute": 4, "second": 27}
